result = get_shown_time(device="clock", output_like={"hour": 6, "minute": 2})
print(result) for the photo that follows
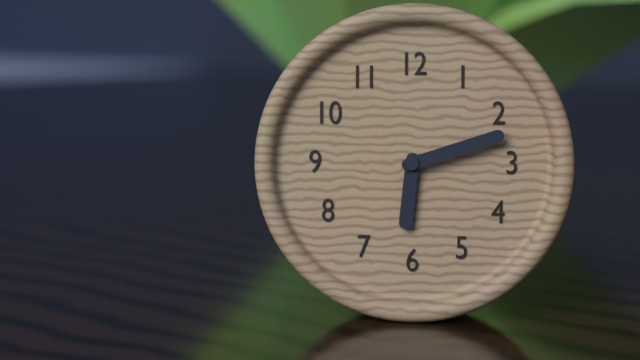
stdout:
{"hour": 6, "minute": 12}
